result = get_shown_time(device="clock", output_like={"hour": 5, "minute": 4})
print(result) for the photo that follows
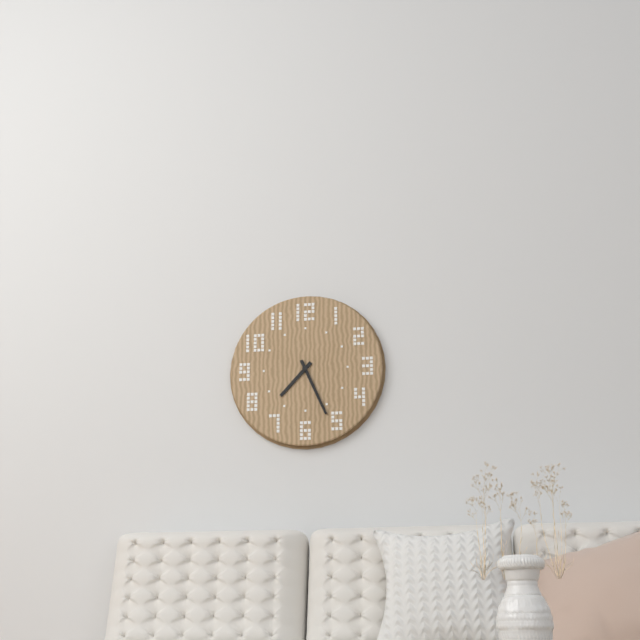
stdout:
{"hour": 7, "minute": 26}
